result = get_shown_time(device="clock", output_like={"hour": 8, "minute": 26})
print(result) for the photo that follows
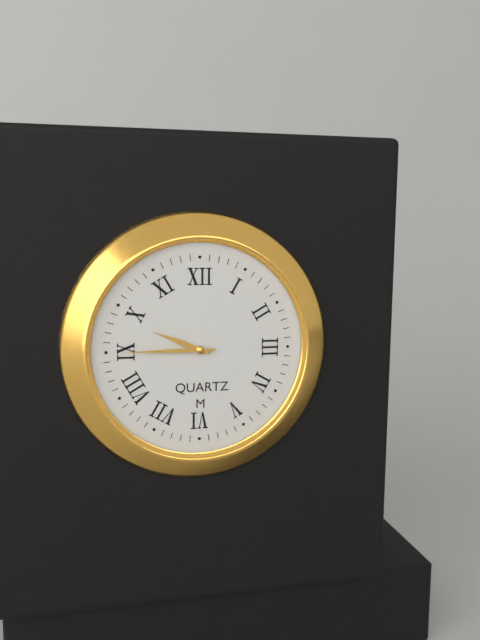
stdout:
{"hour": 9, "minute": 45}
